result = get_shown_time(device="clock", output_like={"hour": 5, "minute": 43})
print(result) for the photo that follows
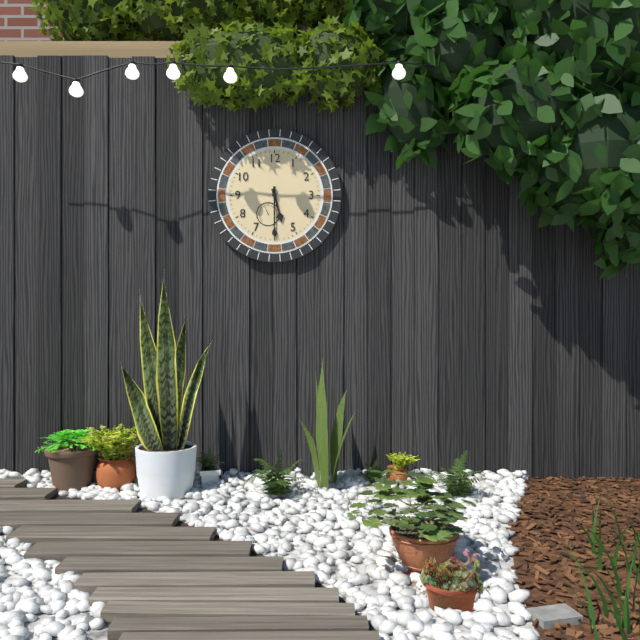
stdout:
{"hour": 5, "minute": 30}
